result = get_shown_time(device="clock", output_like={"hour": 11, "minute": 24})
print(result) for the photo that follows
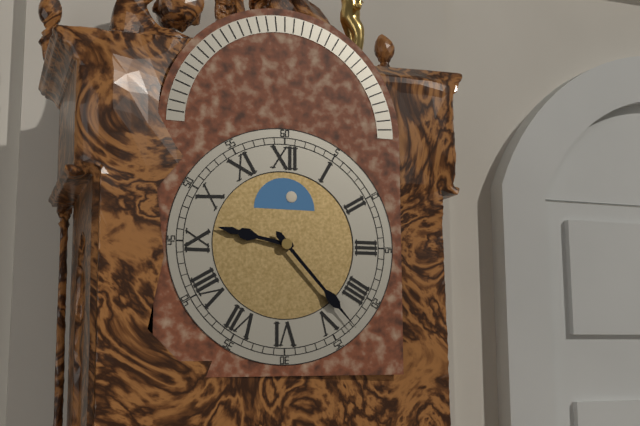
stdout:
{"hour": 9, "minute": 23}
